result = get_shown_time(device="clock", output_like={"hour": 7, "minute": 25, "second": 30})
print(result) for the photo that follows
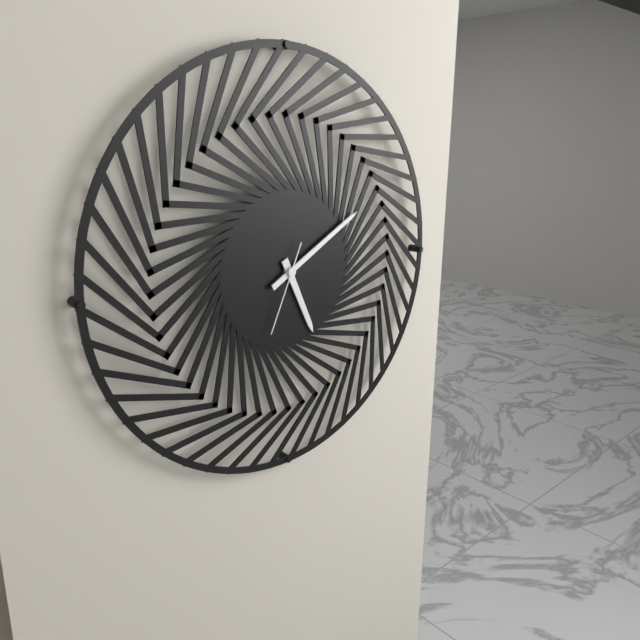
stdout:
{"hour": 5, "minute": 10, "second": 34}
